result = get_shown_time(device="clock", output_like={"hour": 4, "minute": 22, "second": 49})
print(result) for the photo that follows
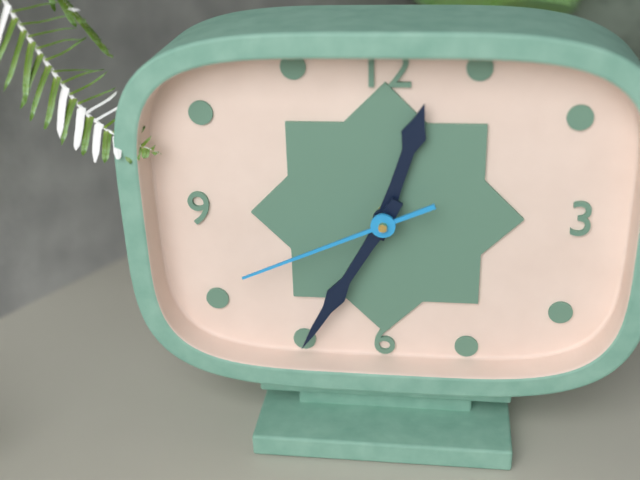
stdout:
{"hour": 12, "minute": 35, "second": 41}
